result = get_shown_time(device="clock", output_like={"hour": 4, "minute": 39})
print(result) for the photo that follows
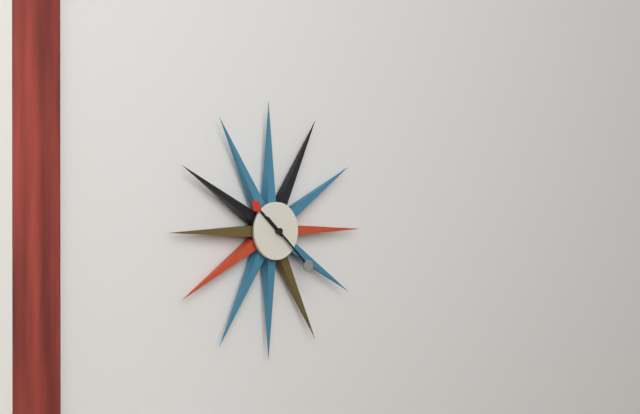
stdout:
{"hour": 10, "minute": 22}
